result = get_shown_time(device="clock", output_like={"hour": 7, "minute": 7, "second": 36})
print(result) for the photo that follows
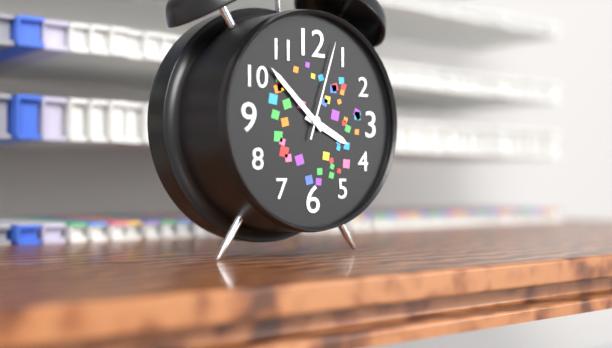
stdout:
{"hour": 3, "minute": 52, "second": 3}
